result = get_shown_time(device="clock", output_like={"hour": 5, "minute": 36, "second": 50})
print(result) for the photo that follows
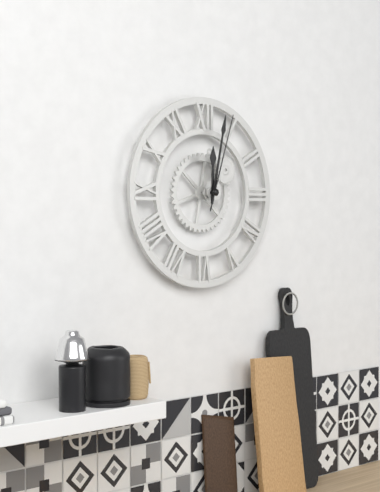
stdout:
{"hour": 12, "minute": 2, "second": 3}
